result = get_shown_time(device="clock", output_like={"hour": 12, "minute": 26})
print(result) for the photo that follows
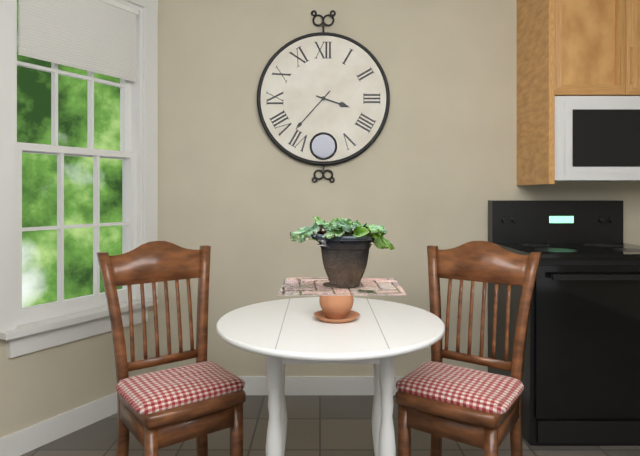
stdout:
{"hour": 3, "minute": 37}
